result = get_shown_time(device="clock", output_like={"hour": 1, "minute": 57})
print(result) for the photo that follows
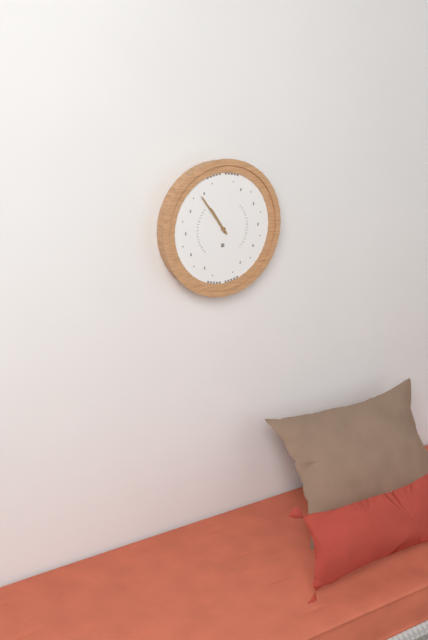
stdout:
{"hour": 10, "minute": 54}
